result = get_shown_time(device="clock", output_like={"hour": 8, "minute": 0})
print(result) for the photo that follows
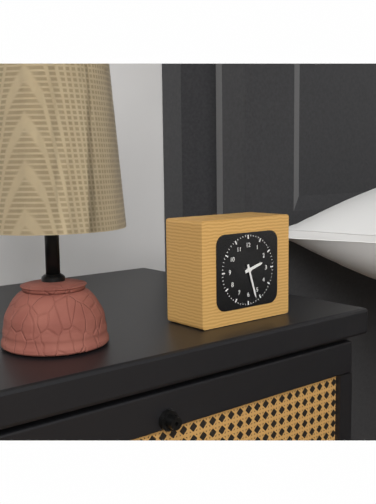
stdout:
{"hour": 2, "minute": 27}
